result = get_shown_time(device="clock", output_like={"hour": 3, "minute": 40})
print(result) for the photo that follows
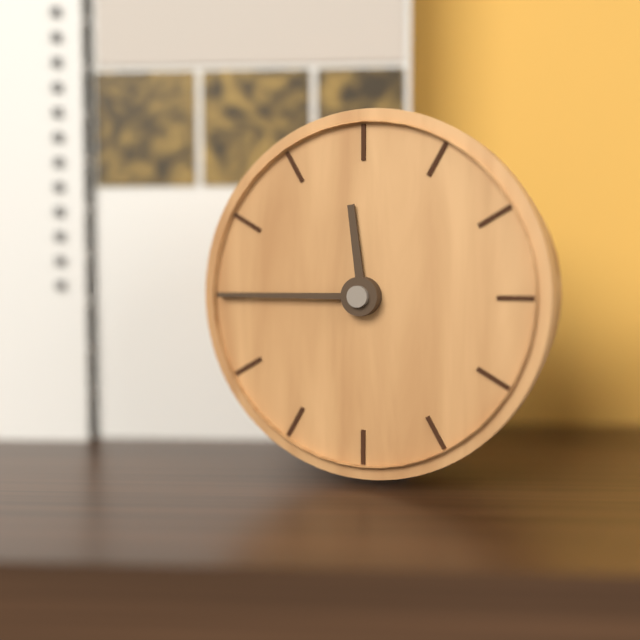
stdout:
{"hour": 11, "minute": 45}
